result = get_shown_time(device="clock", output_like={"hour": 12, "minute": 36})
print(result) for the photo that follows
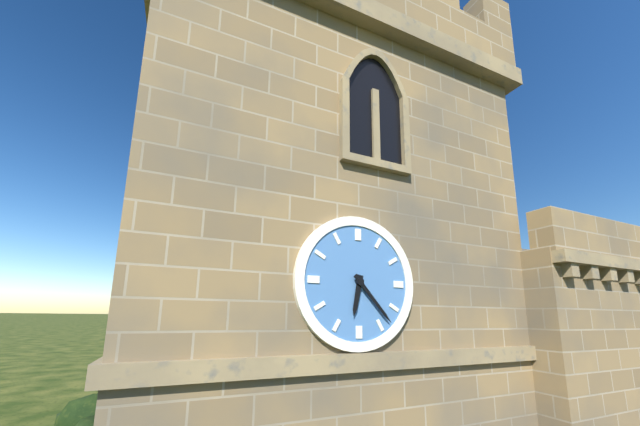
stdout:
{"hour": 6, "minute": 23}
